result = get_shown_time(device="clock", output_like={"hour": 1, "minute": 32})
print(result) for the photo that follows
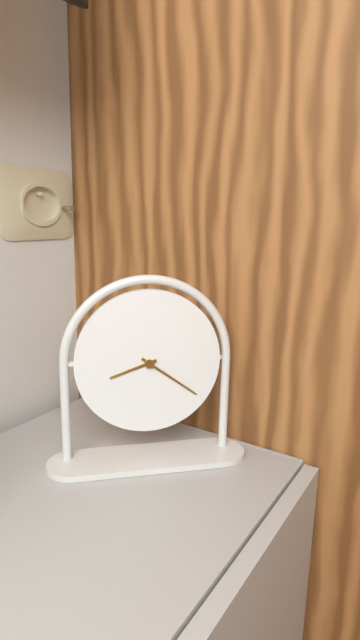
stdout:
{"hour": 8, "minute": 21}
